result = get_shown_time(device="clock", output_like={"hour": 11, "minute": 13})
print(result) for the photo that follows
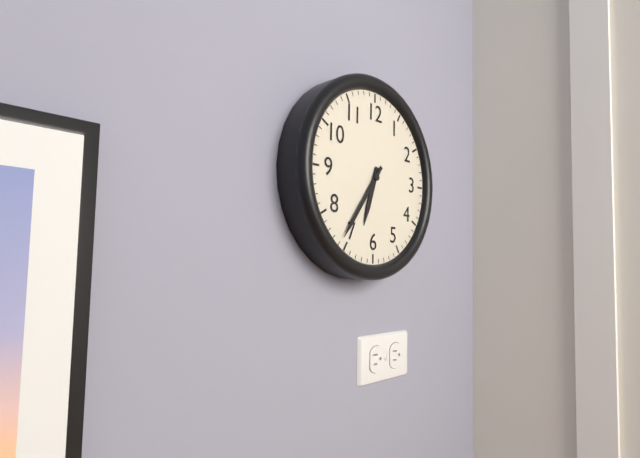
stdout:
{"hour": 6, "minute": 36}
